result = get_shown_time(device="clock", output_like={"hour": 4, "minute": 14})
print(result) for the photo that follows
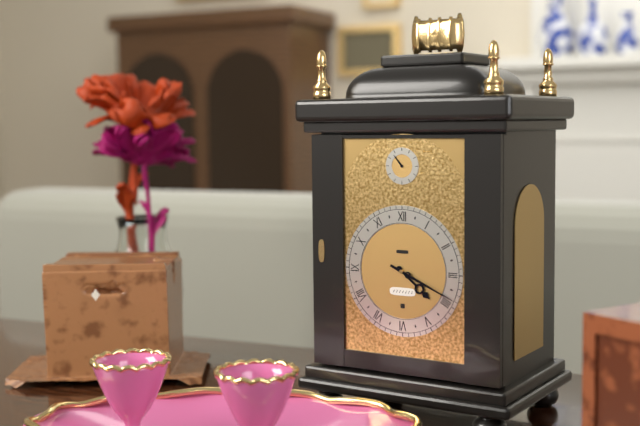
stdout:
{"hour": 4, "minute": 19}
